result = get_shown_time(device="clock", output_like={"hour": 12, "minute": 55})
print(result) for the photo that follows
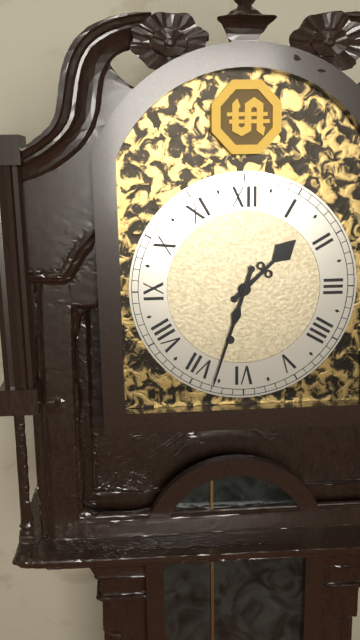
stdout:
{"hour": 1, "minute": 33}
